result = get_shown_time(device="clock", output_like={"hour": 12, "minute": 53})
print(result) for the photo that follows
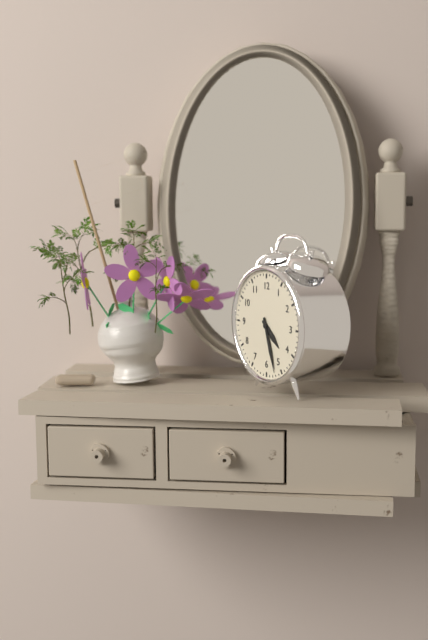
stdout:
{"hour": 4, "minute": 27}
